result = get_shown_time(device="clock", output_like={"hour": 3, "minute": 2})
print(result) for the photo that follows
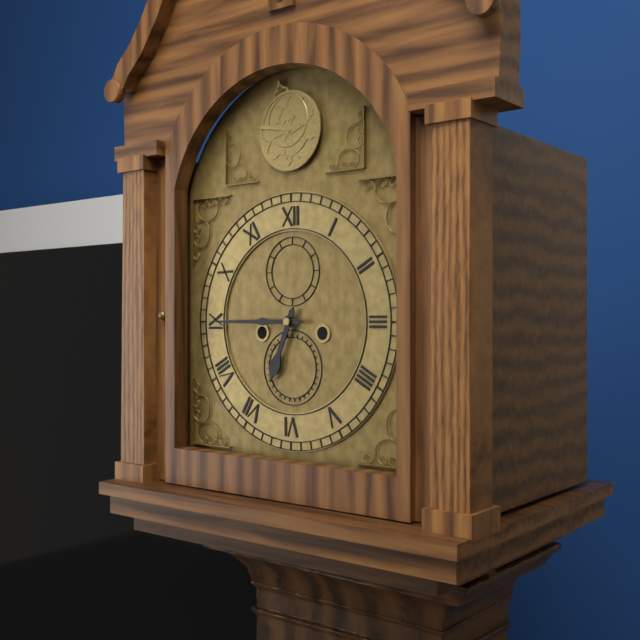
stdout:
{"hour": 6, "minute": 45}
